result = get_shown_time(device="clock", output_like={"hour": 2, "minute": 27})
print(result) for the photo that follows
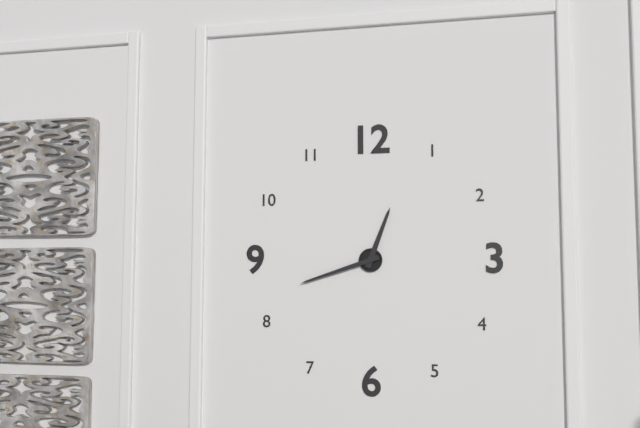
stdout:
{"hour": 12, "minute": 42}
